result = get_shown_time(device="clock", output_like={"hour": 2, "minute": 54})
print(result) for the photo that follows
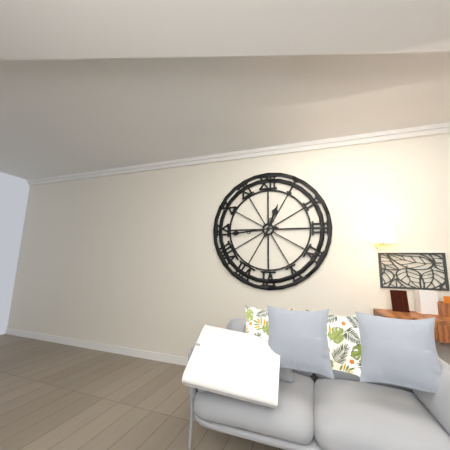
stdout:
{"hour": 12, "minute": 44}
